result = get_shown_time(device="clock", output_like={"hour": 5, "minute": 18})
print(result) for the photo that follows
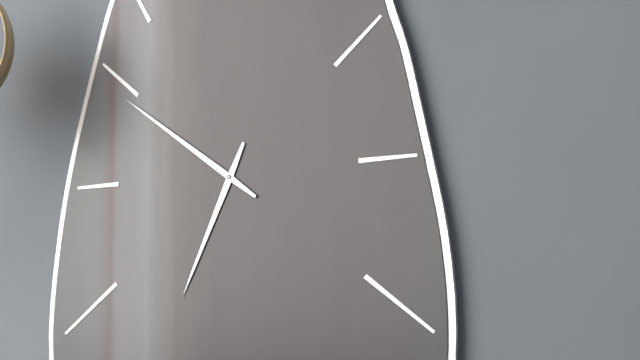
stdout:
{"hour": 6, "minute": 51}
